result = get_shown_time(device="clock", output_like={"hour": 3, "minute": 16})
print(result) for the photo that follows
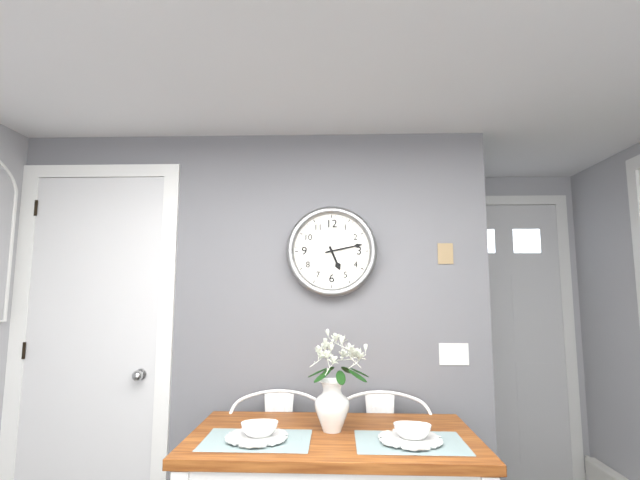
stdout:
{"hour": 5, "minute": 13}
